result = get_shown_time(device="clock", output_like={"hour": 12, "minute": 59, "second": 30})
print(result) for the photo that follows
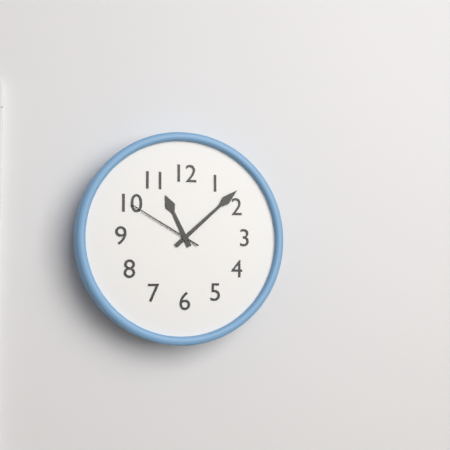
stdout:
{"hour": 11, "minute": 8, "second": 50}
